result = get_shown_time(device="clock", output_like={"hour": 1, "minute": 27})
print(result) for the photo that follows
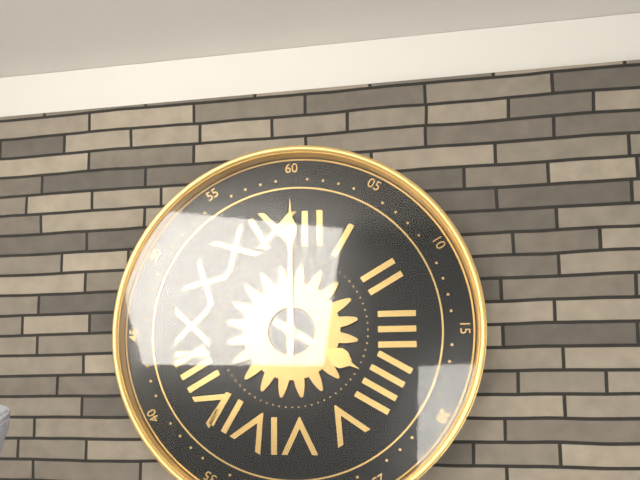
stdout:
{"hour": 4, "minute": 0}
